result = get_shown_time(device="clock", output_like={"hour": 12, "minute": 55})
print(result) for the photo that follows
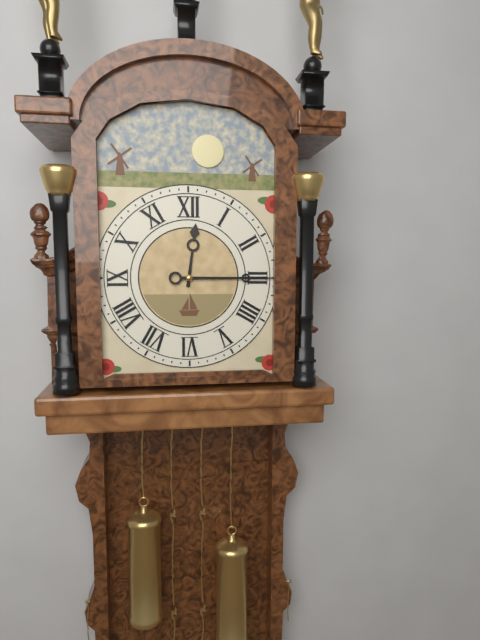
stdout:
{"hour": 12, "minute": 15}
